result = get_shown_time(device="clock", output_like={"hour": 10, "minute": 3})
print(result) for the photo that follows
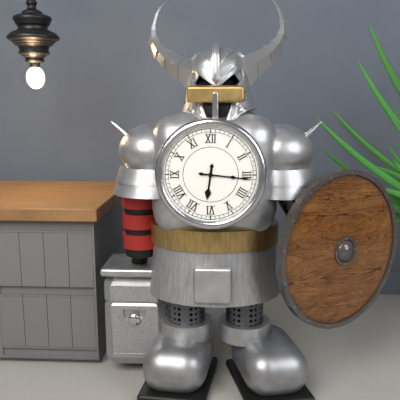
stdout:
{"hour": 6, "minute": 16}
